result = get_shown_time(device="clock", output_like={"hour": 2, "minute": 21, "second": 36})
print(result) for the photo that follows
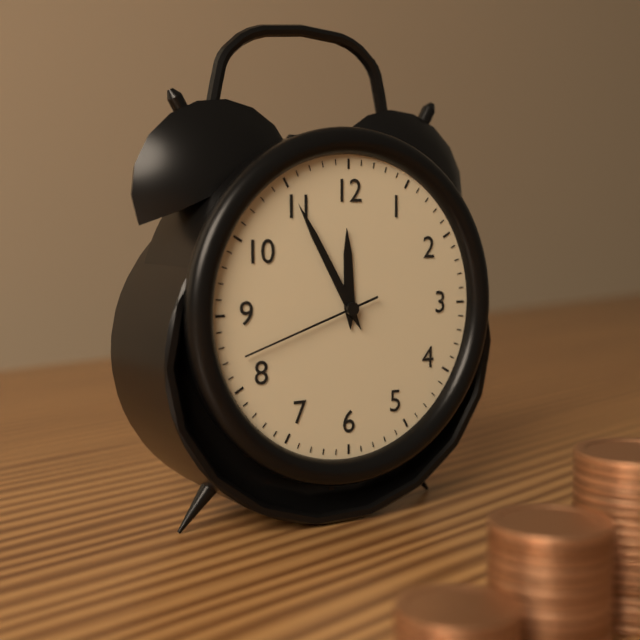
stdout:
{"hour": 11, "minute": 55, "second": 42}
